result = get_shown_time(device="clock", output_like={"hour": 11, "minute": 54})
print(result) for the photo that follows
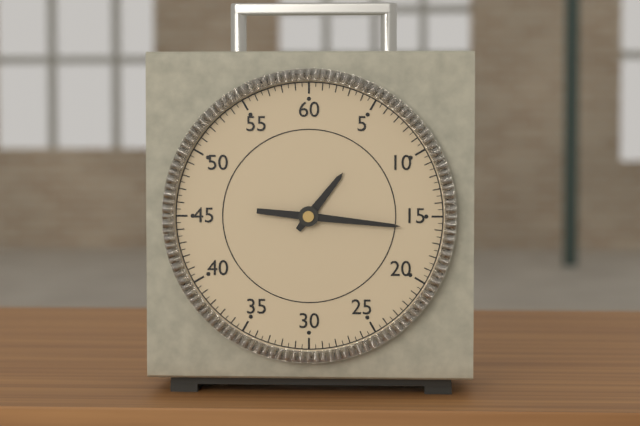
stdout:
{"hour": 1, "minute": 16}
